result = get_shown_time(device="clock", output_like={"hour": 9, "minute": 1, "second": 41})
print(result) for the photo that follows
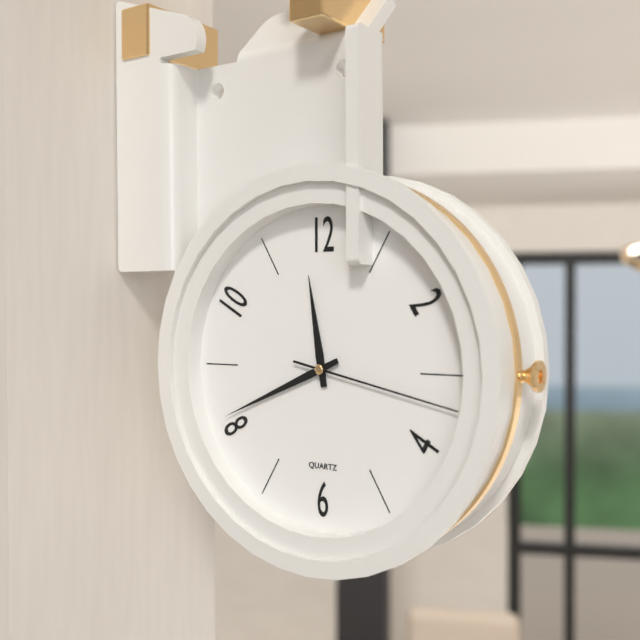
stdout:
{"hour": 11, "minute": 41, "second": 17}
